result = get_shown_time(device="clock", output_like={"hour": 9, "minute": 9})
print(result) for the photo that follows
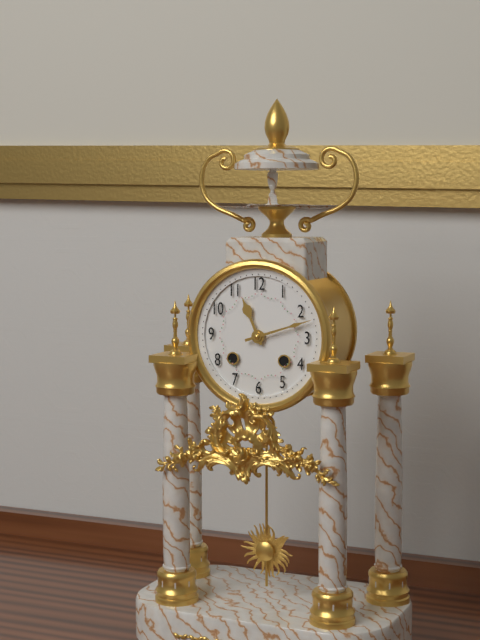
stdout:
{"hour": 11, "minute": 12}
